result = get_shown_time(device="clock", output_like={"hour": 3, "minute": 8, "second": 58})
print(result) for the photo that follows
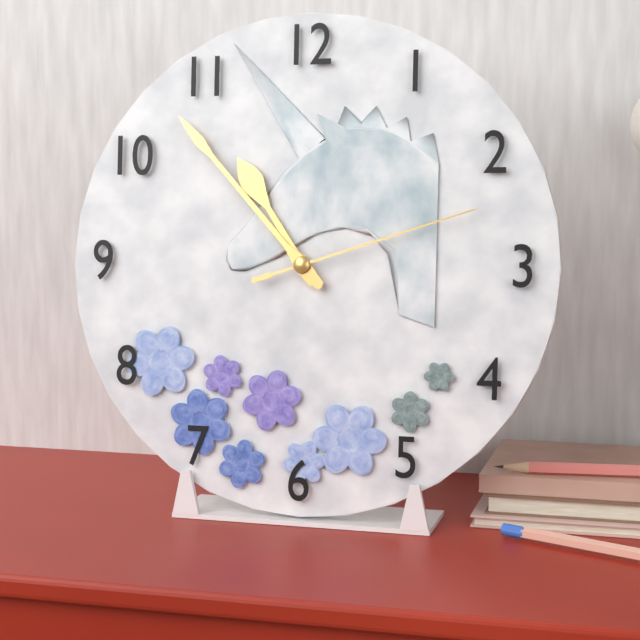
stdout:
{"hour": 10, "minute": 53, "second": 12}
